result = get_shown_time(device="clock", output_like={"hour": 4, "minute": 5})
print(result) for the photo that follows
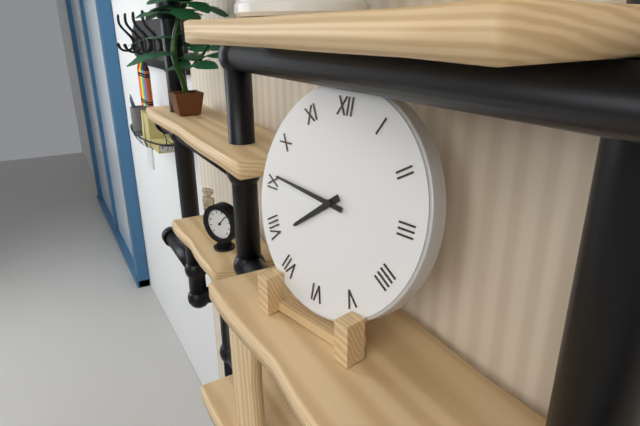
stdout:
{"hour": 7, "minute": 46}
